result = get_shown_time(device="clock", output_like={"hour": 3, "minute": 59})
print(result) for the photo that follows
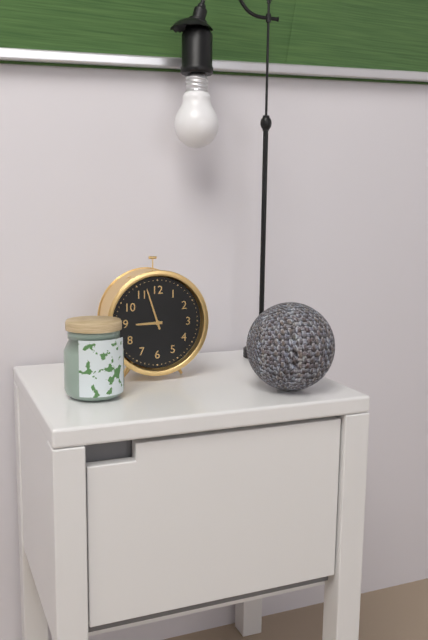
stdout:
{"hour": 8, "minute": 57}
